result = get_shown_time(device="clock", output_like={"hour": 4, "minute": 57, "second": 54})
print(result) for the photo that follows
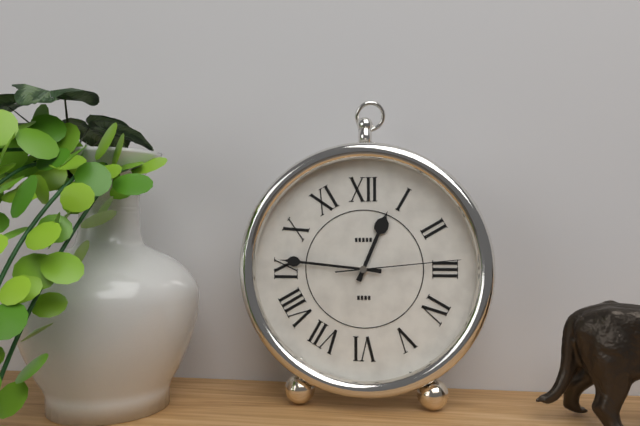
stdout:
{"hour": 12, "minute": 46, "second": 14}
